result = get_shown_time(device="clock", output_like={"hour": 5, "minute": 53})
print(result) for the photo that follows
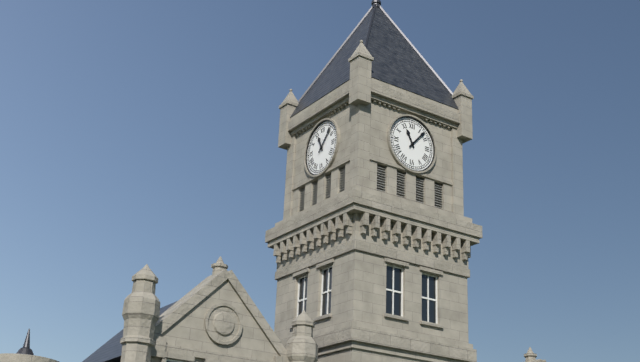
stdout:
{"hour": 11, "minute": 7}
